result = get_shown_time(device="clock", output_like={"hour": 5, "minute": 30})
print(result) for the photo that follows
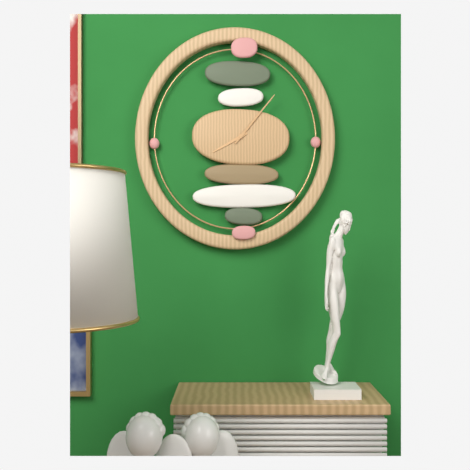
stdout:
{"hour": 8, "minute": 7}
